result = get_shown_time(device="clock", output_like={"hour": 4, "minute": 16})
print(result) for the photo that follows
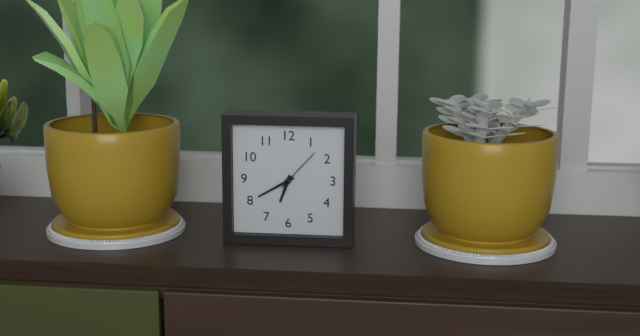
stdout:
{"hour": 6, "minute": 40}
